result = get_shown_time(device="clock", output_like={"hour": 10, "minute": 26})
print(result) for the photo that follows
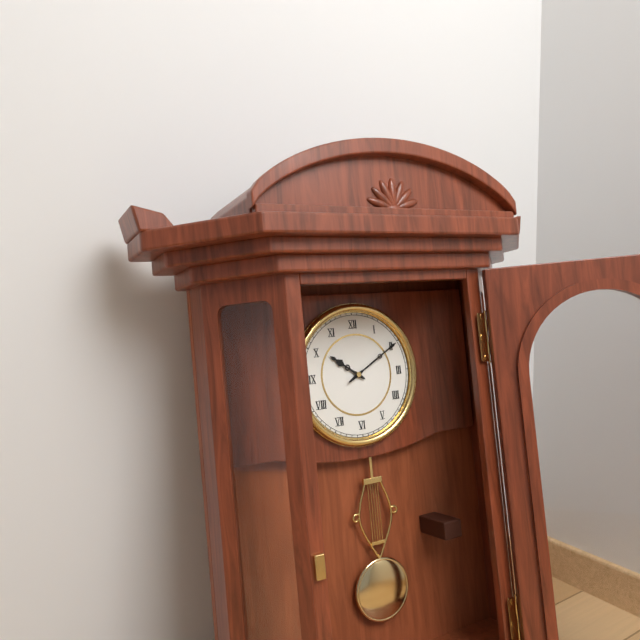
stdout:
{"hour": 10, "minute": 10}
